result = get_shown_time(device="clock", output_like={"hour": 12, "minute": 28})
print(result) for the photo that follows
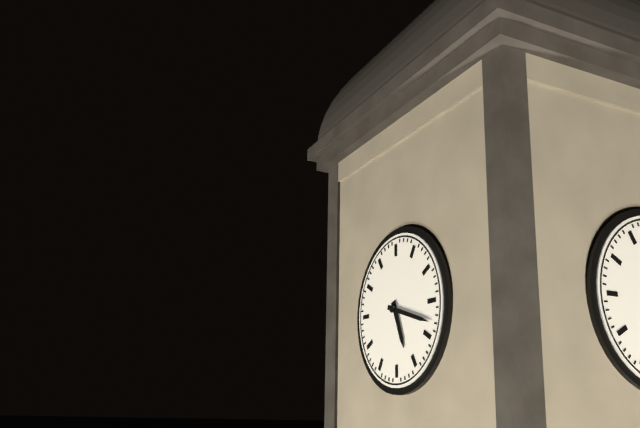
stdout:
{"hour": 5, "minute": 18}
